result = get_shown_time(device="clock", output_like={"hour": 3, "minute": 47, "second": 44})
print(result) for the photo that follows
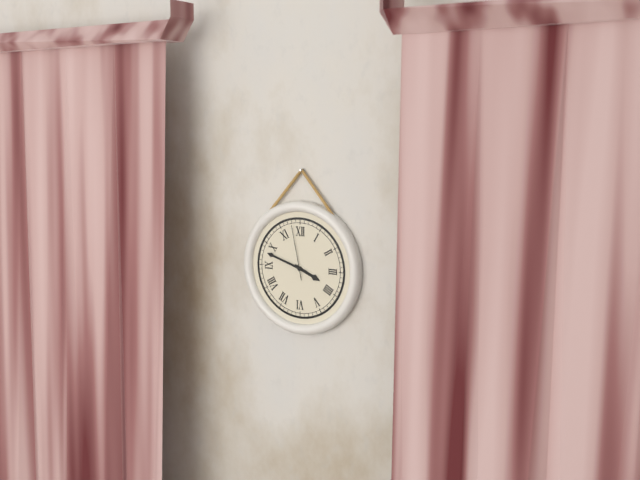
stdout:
{"hour": 3, "minute": 48, "second": 58}
